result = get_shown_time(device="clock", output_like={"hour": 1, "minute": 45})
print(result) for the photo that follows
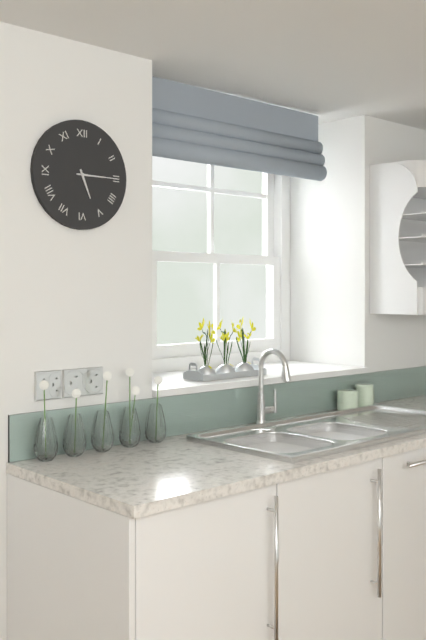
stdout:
{"hour": 5, "minute": 15}
